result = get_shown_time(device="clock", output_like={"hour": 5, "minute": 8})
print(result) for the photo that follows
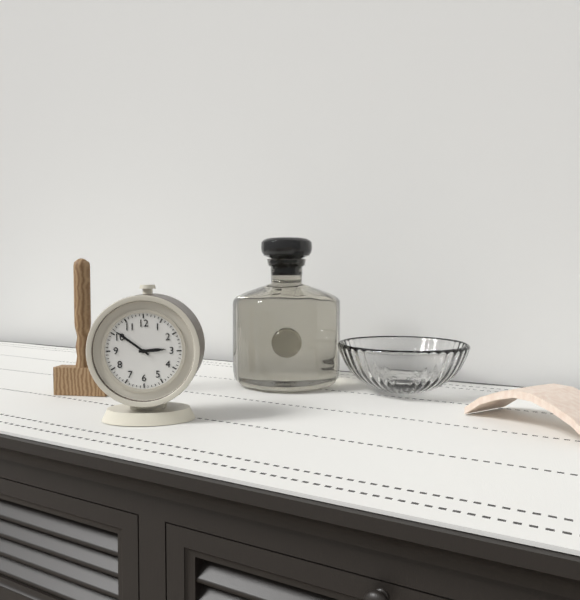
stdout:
{"hour": 2, "minute": 51}
